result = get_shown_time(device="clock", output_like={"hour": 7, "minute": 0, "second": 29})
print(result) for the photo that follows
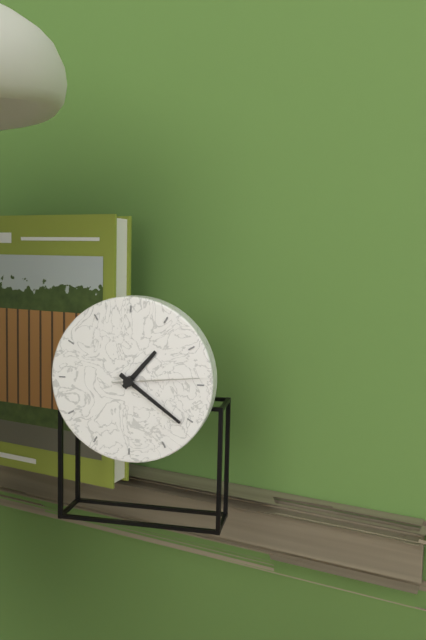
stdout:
{"hour": 1, "minute": 21, "second": 14}
